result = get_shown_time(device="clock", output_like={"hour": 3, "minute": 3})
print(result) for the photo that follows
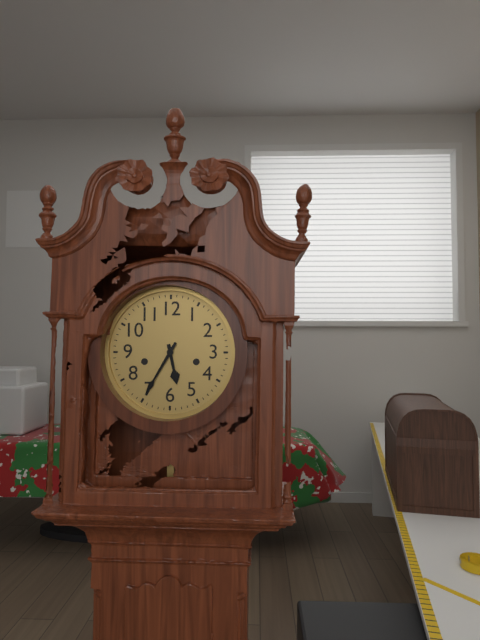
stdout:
{"hour": 5, "minute": 35}
